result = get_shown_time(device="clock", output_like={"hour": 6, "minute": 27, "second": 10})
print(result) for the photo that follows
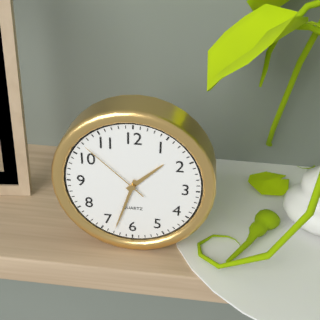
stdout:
{"hour": 1, "minute": 33, "second": 52}
